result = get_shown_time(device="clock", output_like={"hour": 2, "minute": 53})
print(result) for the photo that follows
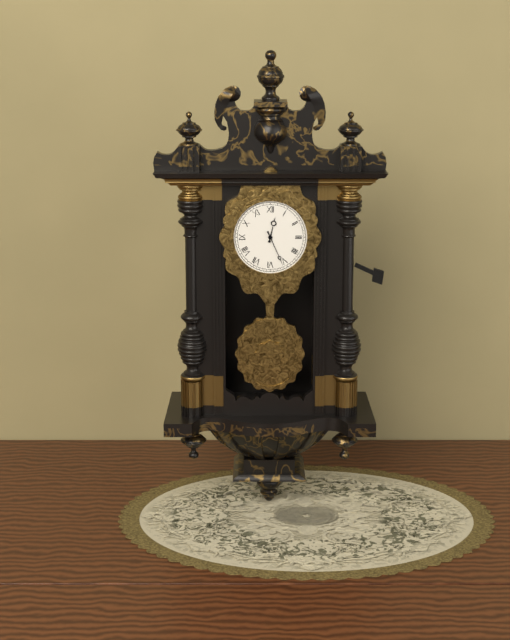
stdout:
{"hour": 12, "minute": 26}
